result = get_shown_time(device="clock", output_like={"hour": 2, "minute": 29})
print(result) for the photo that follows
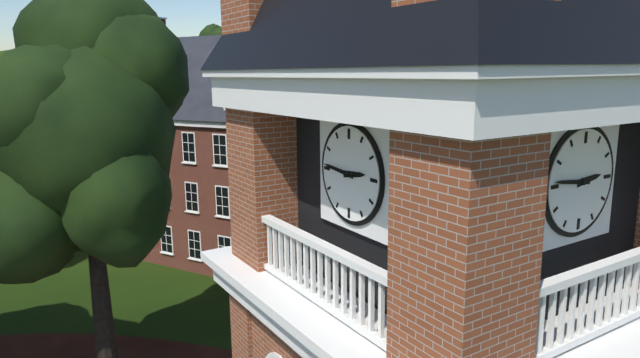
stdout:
{"hour": 2, "minute": 46}
